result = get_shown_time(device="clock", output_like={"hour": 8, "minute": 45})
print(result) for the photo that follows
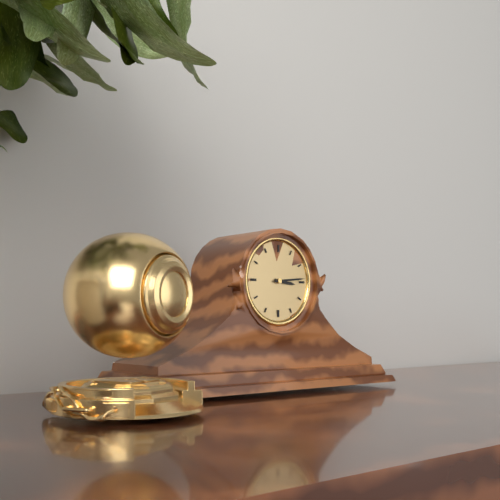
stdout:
{"hour": 3, "minute": 14}
